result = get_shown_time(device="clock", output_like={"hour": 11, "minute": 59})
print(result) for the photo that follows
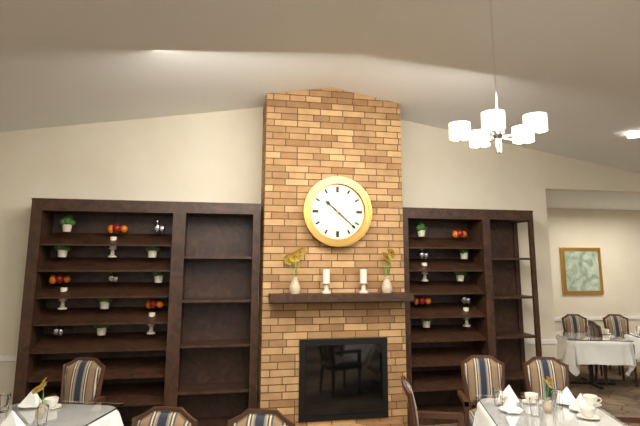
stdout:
{"hour": 10, "minute": 22}
